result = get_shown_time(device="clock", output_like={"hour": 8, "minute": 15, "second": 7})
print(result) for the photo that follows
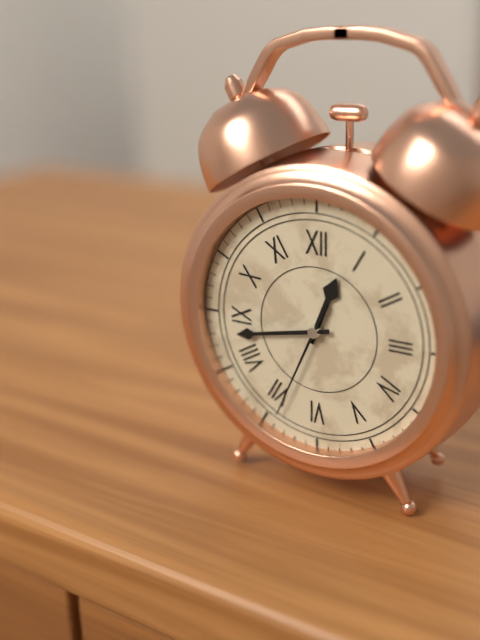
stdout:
{"hour": 12, "minute": 43, "second": 34}
